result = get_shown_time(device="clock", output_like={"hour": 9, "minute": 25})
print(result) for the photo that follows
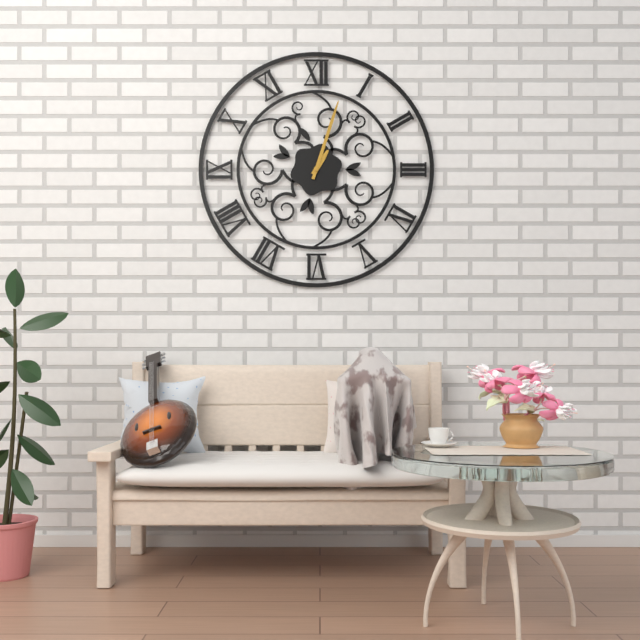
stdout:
{"hour": 1, "minute": 3}
